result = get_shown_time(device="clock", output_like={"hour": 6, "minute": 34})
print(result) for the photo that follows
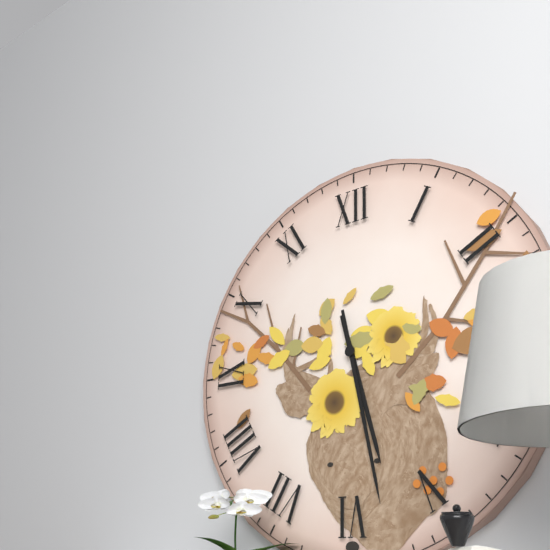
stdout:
{"hour": 5, "minute": 28}
